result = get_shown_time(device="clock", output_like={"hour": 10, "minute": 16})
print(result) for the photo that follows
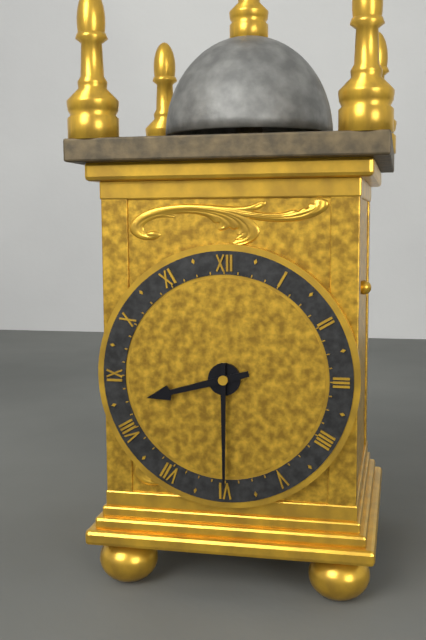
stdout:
{"hour": 8, "minute": 30}
